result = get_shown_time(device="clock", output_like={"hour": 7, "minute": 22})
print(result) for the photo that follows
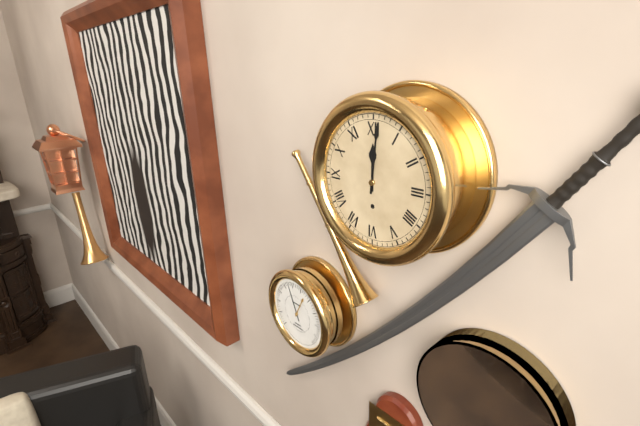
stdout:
{"hour": 12, "minute": 1}
